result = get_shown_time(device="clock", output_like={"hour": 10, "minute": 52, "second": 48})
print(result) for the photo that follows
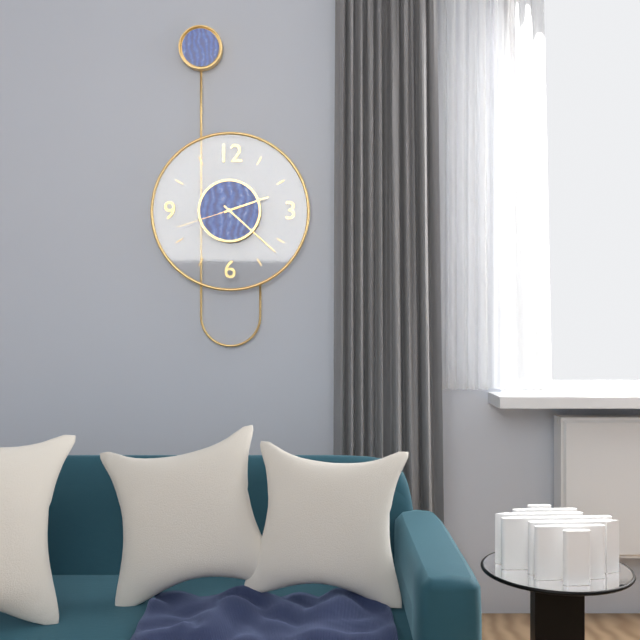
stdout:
{"hour": 2, "minute": 22, "second": 42}
